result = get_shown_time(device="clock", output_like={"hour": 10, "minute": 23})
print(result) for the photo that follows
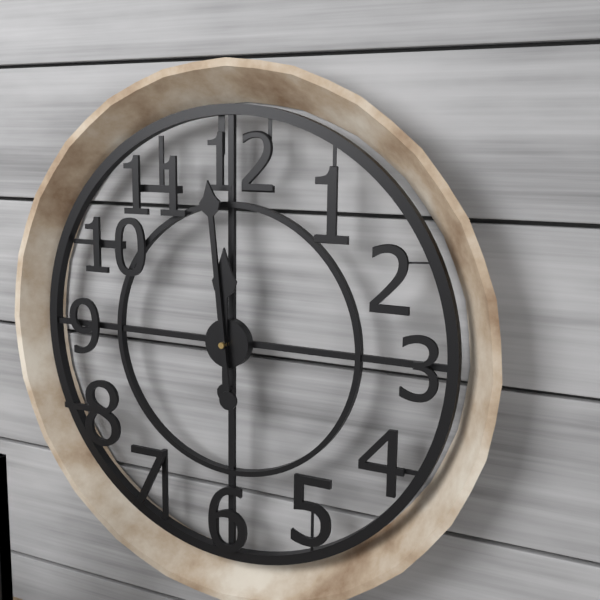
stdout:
{"hour": 11, "minute": 59}
